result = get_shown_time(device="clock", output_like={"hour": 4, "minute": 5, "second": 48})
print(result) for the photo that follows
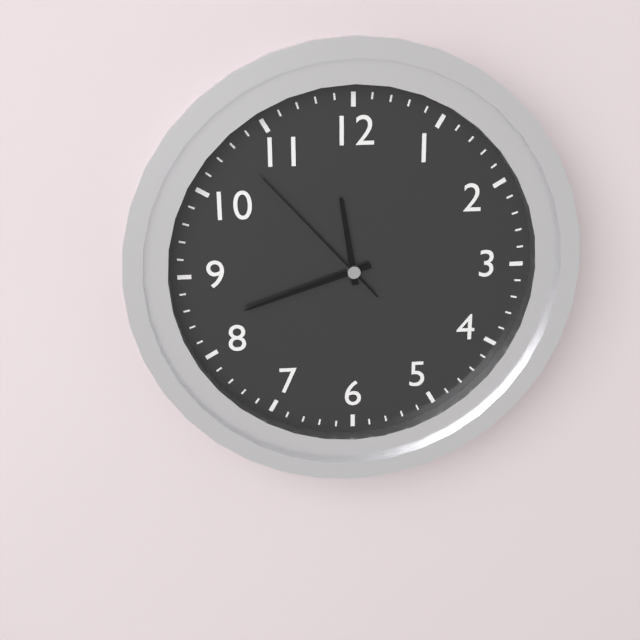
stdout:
{"hour": 11, "minute": 42, "second": 53}
